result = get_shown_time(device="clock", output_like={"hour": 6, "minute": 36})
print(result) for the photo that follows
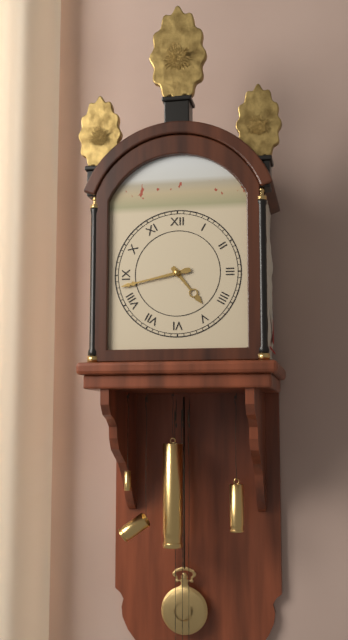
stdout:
{"hour": 4, "minute": 43}
